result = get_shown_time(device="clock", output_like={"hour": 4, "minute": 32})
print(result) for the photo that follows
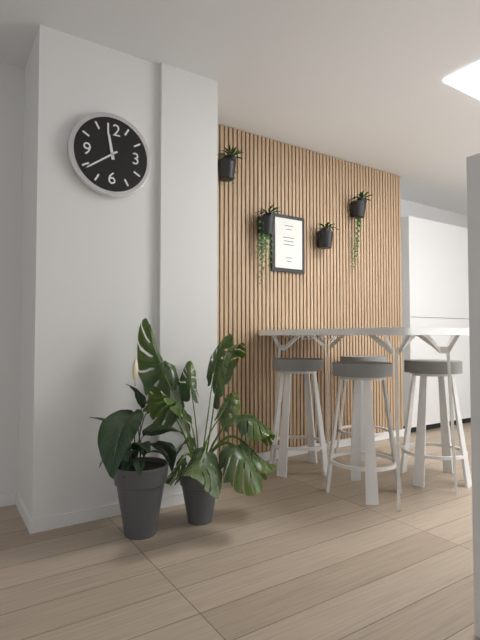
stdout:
{"hour": 11, "minute": 39}
